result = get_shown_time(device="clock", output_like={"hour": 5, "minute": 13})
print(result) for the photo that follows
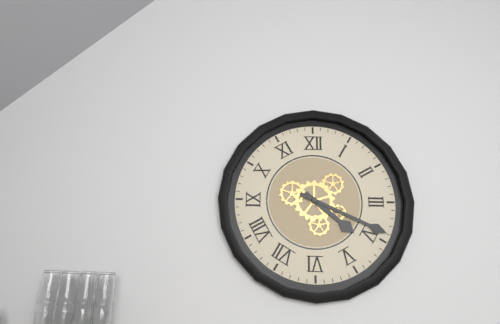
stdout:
{"hour": 4, "minute": 19}
